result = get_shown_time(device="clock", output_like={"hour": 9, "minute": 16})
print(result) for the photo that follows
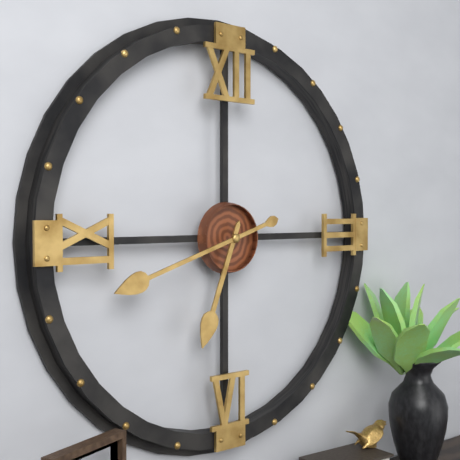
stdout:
{"hour": 6, "minute": 42}
